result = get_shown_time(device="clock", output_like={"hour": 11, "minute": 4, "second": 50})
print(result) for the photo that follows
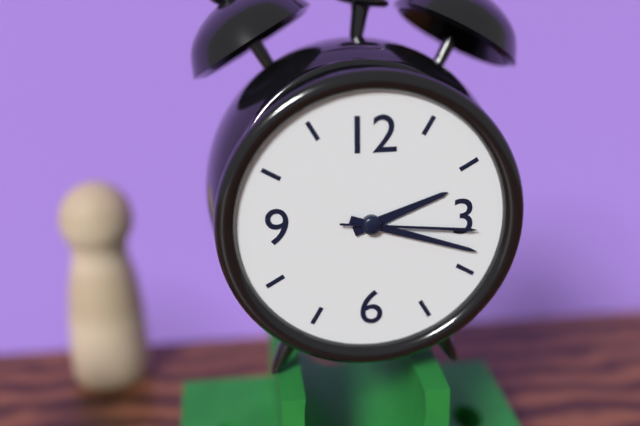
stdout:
{"hour": 2, "minute": 18, "second": 16}
